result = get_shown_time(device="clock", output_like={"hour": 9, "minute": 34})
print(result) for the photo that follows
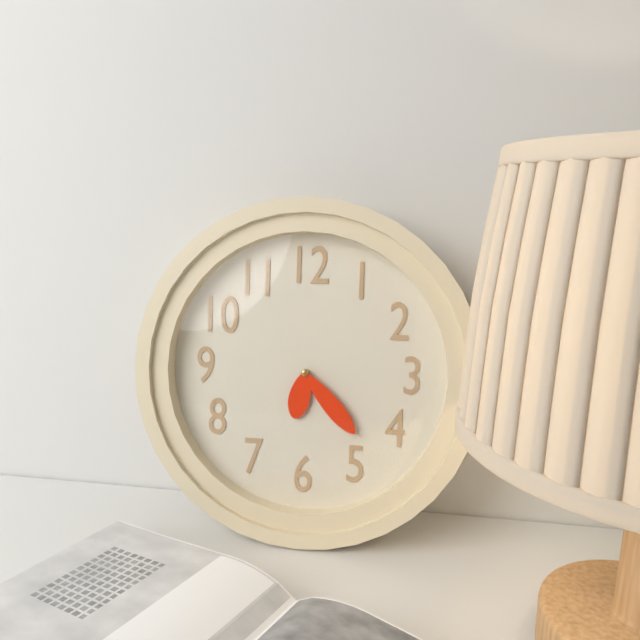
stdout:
{"hour": 6, "minute": 23}
